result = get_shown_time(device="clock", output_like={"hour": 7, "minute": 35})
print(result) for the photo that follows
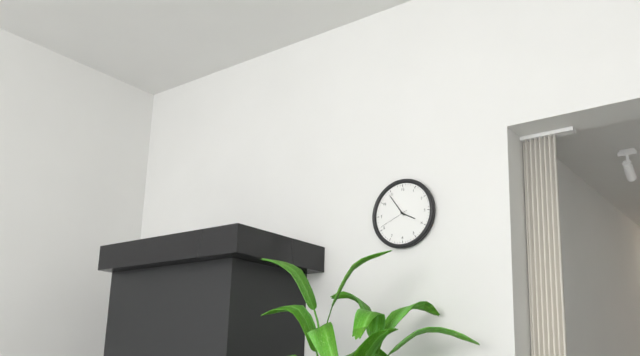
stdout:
{"hour": 3, "minute": 54}
